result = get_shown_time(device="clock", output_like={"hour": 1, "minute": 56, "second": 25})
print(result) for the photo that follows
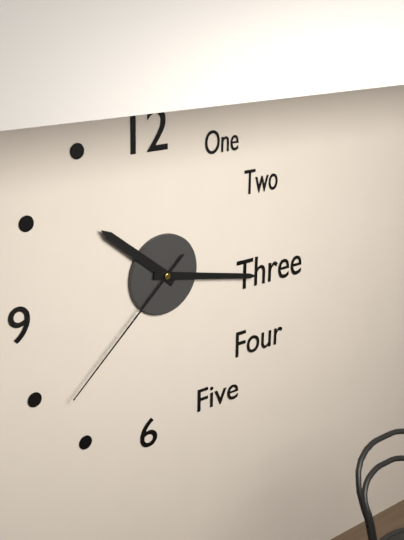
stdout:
{"hour": 10, "minute": 17, "second": 38}
